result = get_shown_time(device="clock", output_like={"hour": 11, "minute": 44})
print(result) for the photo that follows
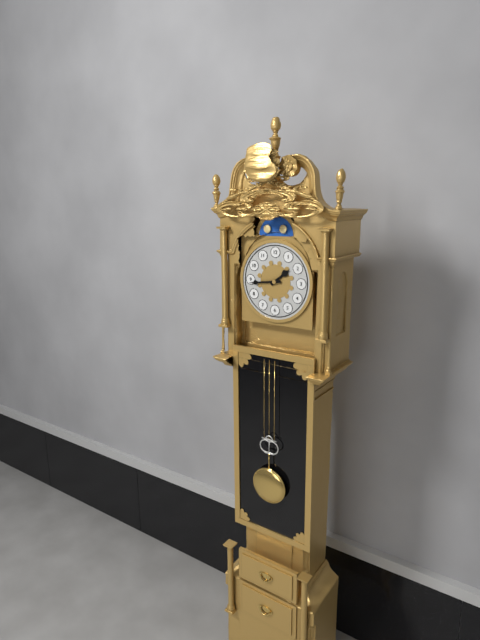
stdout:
{"hour": 1, "minute": 44}
